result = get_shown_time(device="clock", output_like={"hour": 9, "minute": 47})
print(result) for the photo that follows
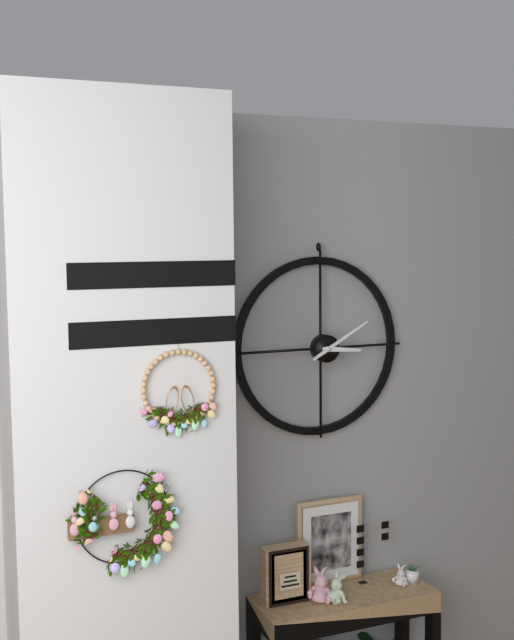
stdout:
{"hour": 3, "minute": 10}
